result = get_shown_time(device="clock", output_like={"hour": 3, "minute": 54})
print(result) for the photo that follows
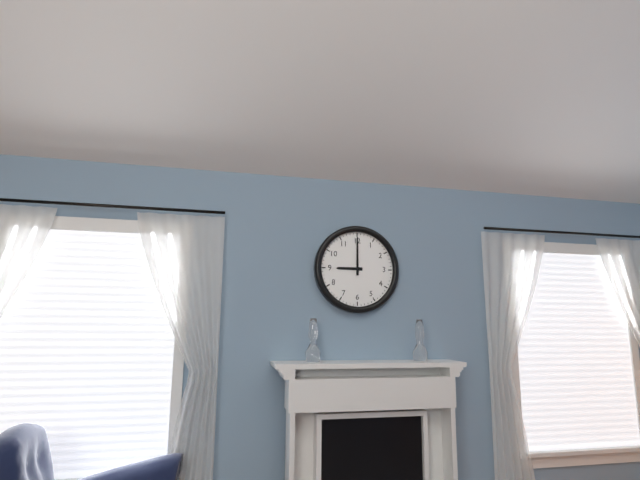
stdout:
{"hour": 9, "minute": 0}
